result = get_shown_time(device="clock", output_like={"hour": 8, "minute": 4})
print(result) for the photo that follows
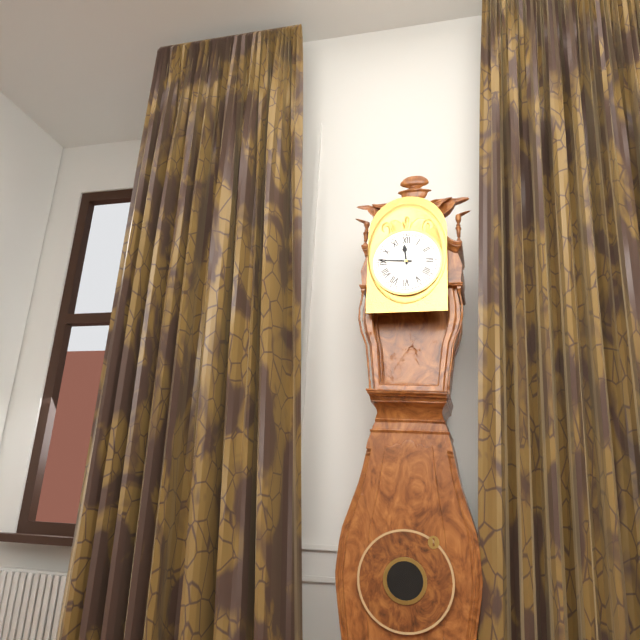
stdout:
{"hour": 11, "minute": 46}
